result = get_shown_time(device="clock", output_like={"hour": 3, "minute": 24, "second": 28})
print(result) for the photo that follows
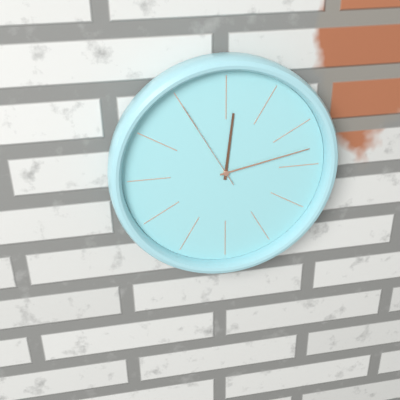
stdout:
{"hour": 12, "minute": 13, "second": 55}
